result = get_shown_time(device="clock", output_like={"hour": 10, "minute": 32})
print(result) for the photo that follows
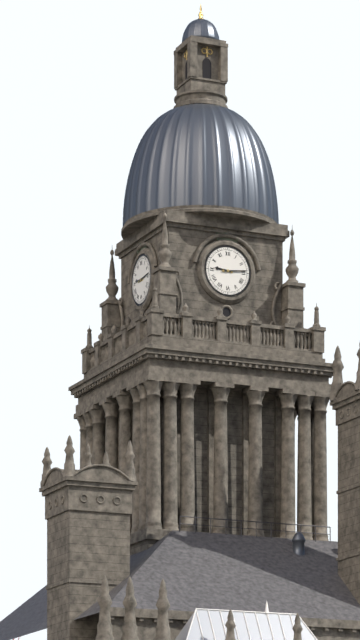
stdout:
{"hour": 9, "minute": 14}
